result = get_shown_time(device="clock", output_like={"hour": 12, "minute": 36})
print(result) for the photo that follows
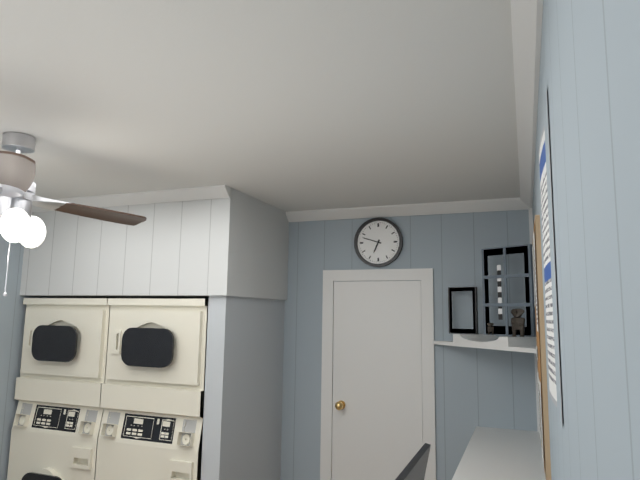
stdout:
{"hour": 6, "minute": 48}
